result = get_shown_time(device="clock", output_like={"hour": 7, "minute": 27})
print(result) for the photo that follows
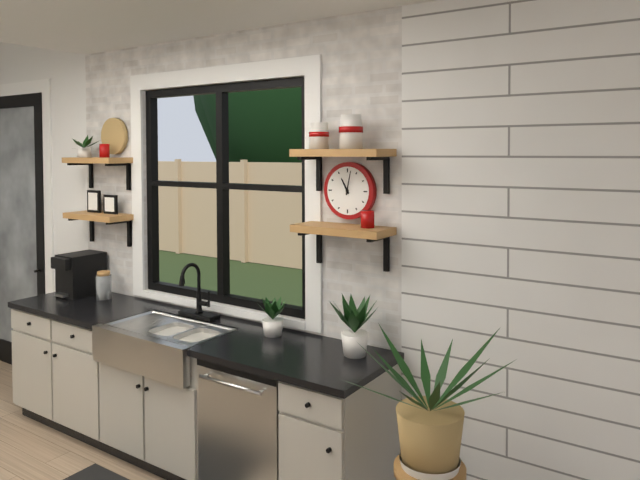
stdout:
{"hour": 11, "minute": 2}
